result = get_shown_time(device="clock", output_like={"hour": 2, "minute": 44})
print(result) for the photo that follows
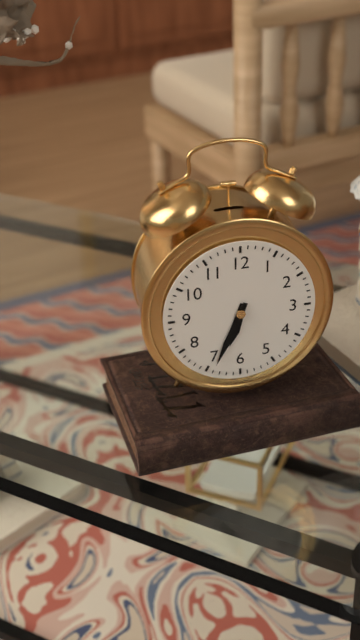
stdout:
{"hour": 6, "minute": 34}
